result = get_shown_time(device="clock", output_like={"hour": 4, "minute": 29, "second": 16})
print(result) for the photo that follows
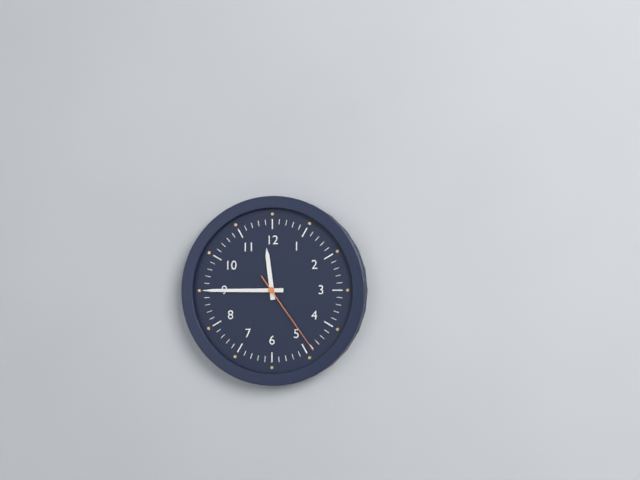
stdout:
{"hour": 11, "minute": 45, "second": 24}
